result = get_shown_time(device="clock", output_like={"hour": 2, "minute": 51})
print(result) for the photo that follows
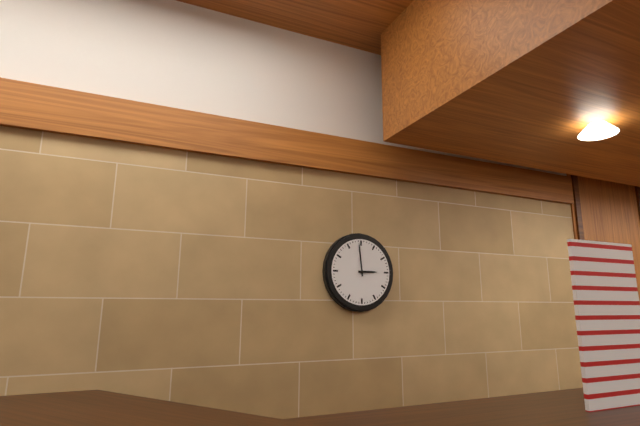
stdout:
{"hour": 2, "minute": 59}
